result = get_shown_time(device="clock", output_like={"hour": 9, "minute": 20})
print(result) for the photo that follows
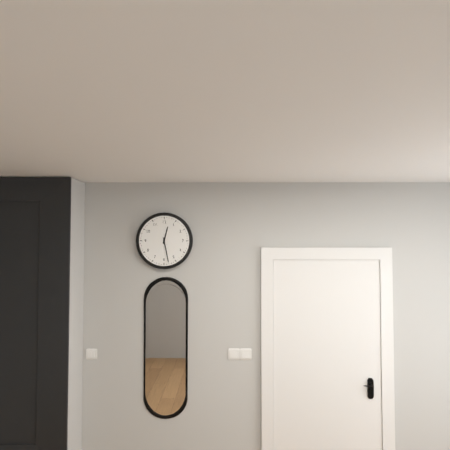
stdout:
{"hour": 12, "minute": 28}
